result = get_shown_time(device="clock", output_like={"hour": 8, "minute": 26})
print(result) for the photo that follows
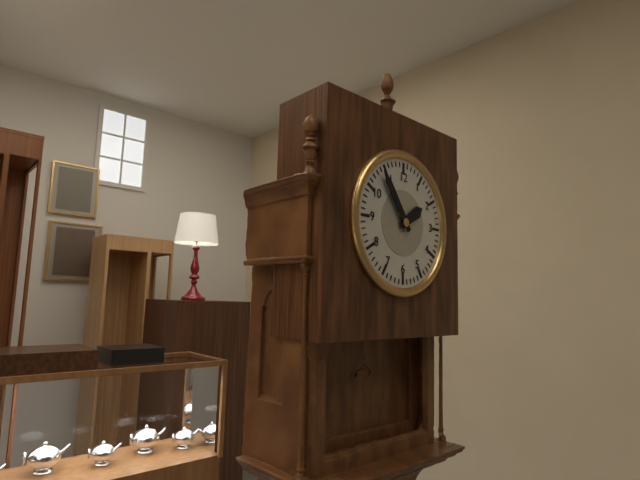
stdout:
{"hour": 1, "minute": 54}
